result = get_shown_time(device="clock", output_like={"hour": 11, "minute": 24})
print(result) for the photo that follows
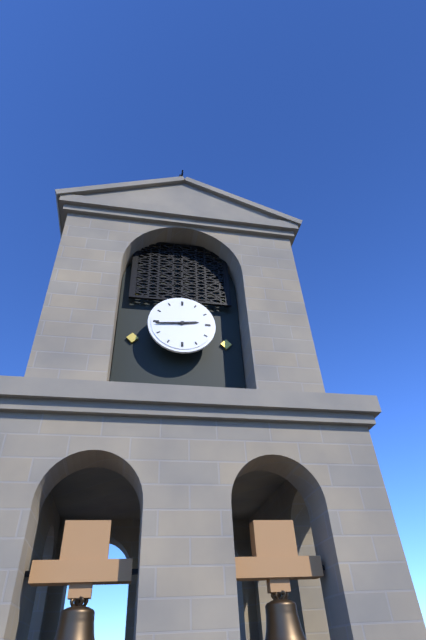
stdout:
{"hour": 2, "minute": 44}
